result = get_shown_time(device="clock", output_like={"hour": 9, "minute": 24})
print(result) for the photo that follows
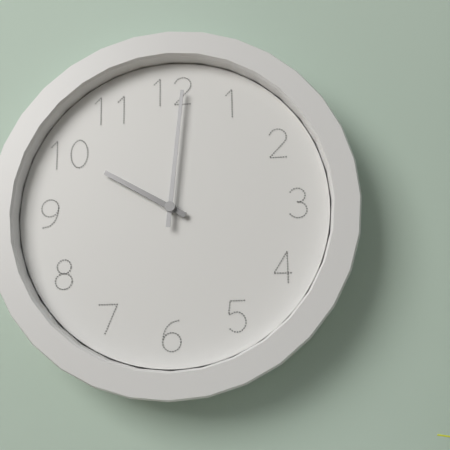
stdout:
{"hour": 10, "minute": 1}
